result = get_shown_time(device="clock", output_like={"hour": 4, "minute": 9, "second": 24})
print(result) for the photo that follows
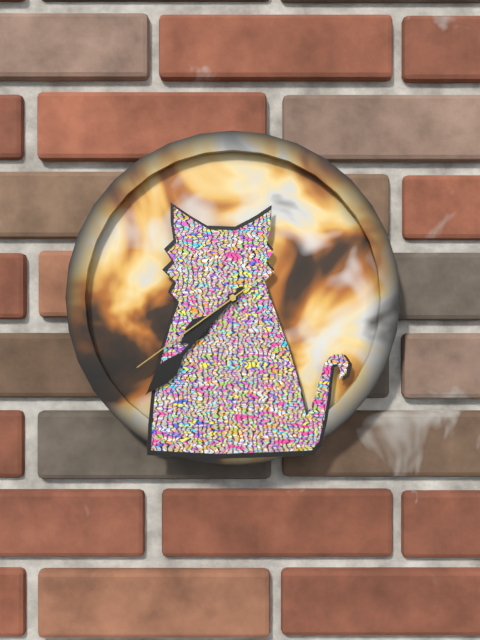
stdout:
{"hour": 7, "minute": 37, "second": 39}
